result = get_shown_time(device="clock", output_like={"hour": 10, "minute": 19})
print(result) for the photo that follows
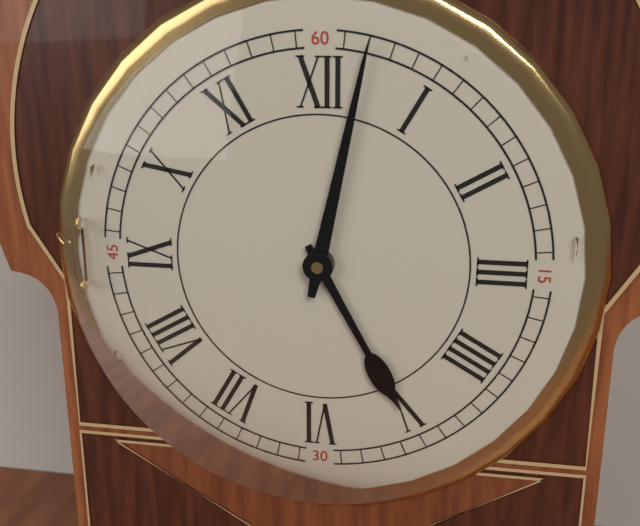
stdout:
{"hour": 5, "minute": 2}
